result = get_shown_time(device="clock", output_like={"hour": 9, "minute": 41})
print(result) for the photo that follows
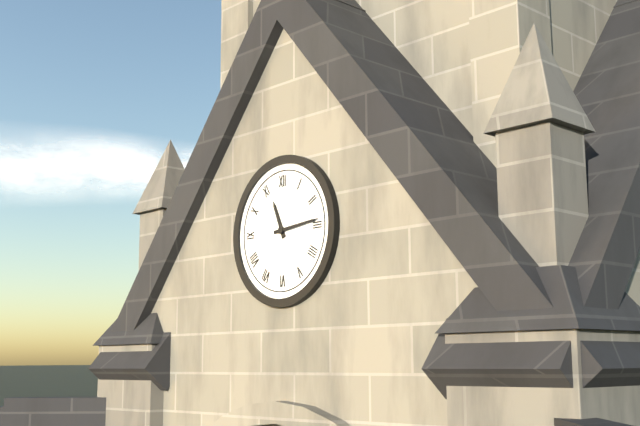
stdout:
{"hour": 11, "minute": 14}
